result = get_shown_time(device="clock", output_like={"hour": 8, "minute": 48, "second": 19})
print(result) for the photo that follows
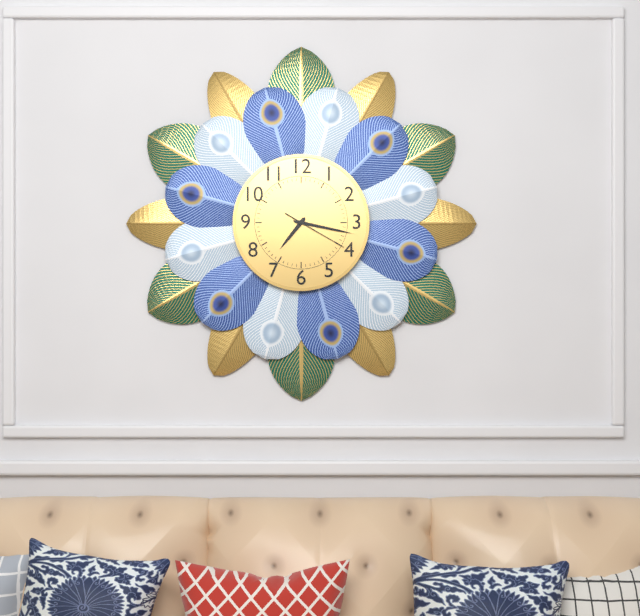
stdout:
{"hour": 7, "minute": 17, "second": 20}
